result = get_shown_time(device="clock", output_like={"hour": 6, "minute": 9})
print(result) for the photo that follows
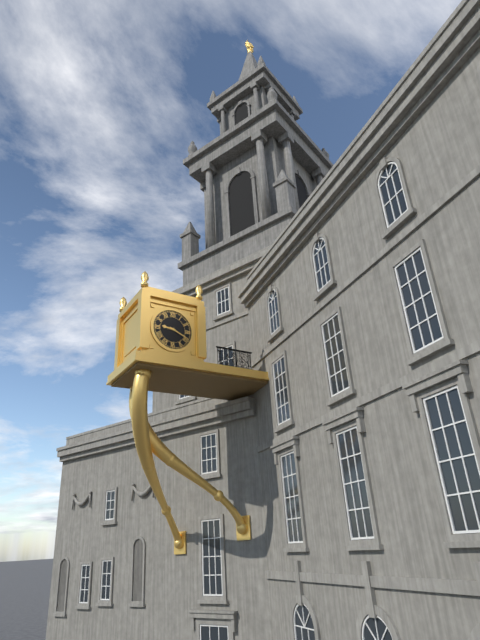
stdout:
{"hour": 9, "minute": 19}
